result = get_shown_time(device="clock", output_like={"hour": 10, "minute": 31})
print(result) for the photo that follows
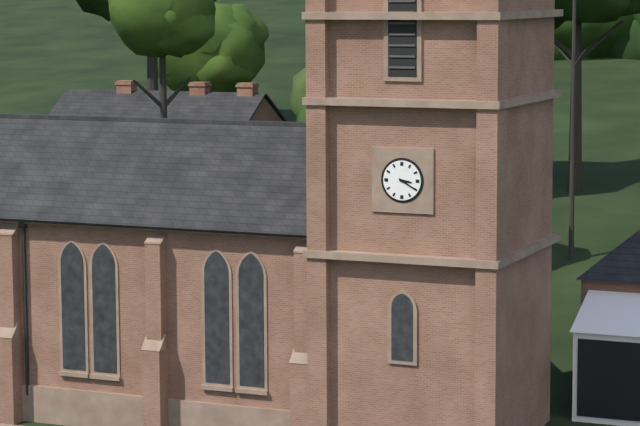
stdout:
{"hour": 3, "minute": 20}
